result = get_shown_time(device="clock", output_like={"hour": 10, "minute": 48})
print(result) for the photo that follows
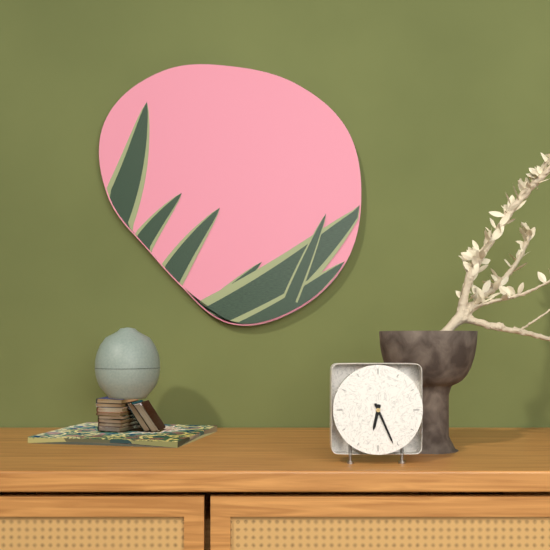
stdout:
{"hour": 6, "minute": 26}
